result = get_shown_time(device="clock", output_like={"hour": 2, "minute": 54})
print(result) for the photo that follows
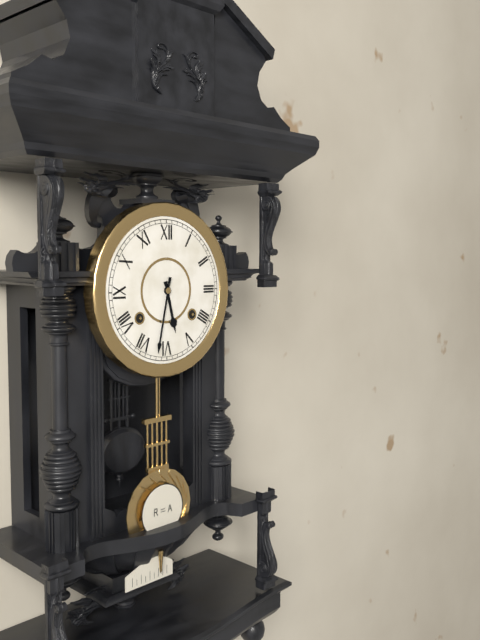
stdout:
{"hour": 5, "minute": 32}
